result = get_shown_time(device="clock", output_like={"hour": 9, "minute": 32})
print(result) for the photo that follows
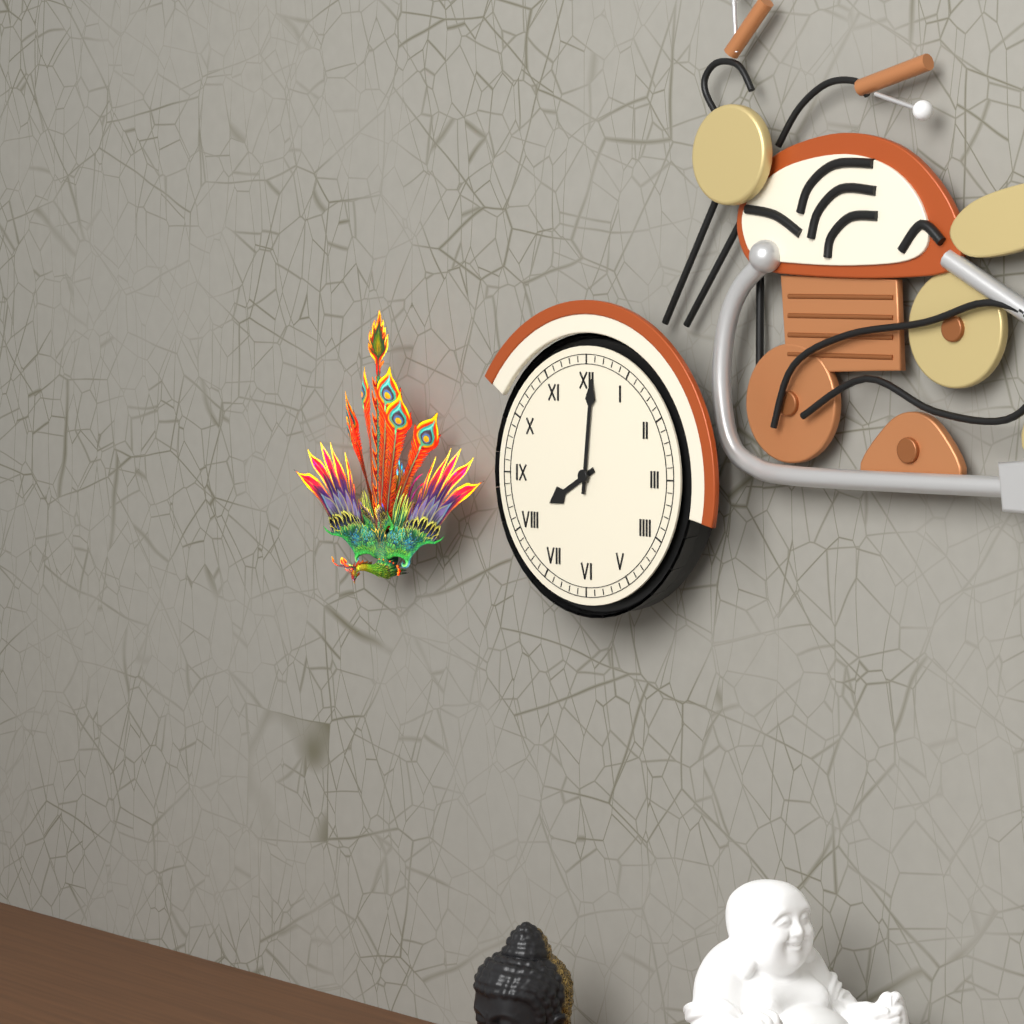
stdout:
{"hour": 8, "minute": 1}
